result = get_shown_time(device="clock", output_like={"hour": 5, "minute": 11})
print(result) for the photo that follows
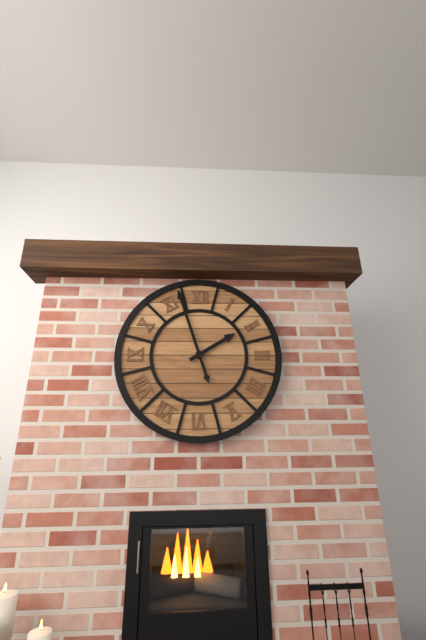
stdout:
{"hour": 1, "minute": 57}
